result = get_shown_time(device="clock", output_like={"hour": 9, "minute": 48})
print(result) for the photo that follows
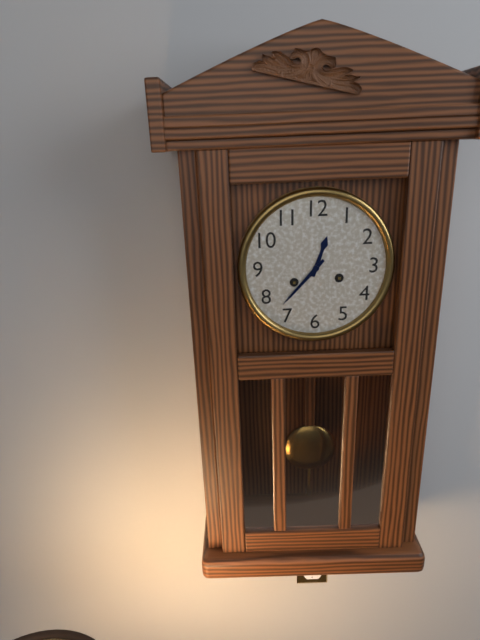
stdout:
{"hour": 12, "minute": 37}
